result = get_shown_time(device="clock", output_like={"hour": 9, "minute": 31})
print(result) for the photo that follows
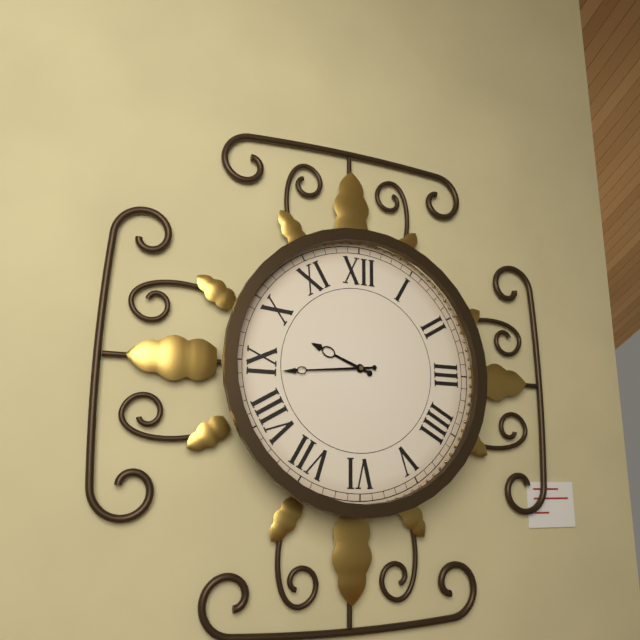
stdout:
{"hour": 9, "minute": 44}
